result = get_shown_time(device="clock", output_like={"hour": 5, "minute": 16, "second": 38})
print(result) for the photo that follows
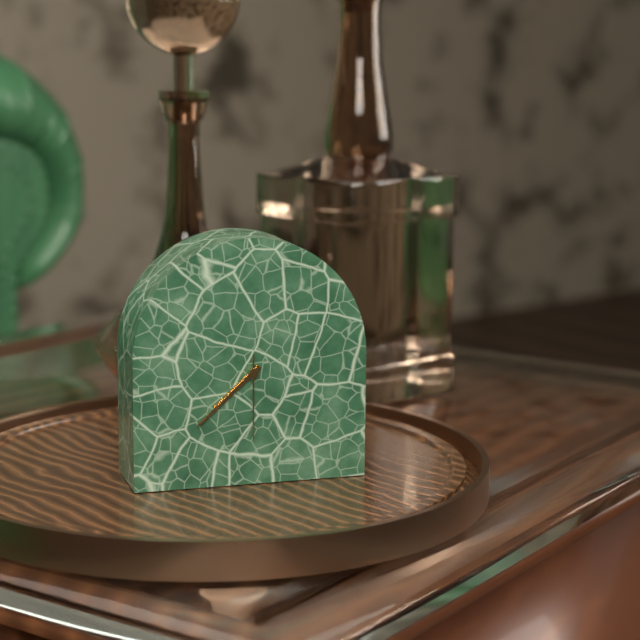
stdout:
{"hour": 7, "minute": 38, "second": 30}
